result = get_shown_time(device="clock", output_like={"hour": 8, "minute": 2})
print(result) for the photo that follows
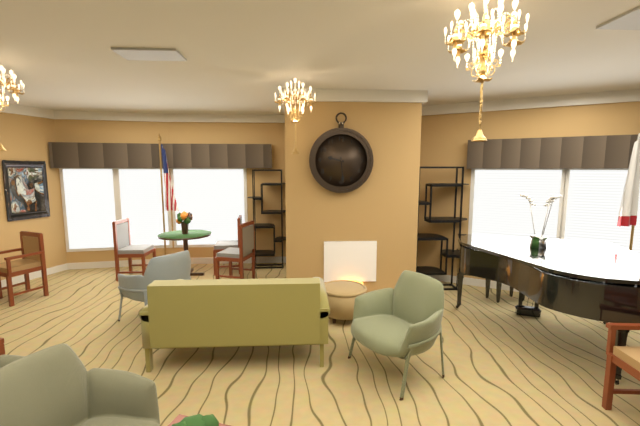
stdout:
{"hour": 9, "minute": 29}
